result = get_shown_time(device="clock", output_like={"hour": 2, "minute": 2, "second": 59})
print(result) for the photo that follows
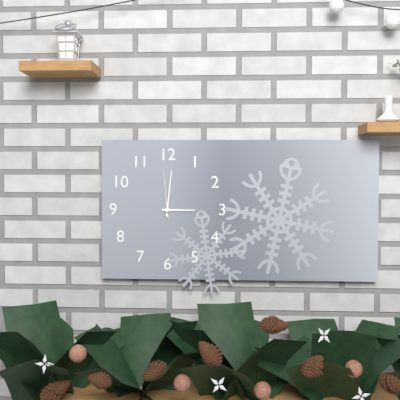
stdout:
{"hour": 3, "minute": 1, "second": 59}
